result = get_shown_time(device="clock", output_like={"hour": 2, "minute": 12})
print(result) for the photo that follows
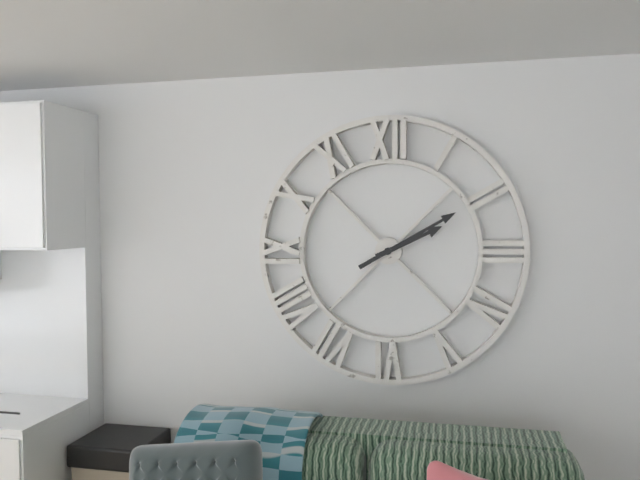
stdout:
{"hour": 2, "minute": 10}
